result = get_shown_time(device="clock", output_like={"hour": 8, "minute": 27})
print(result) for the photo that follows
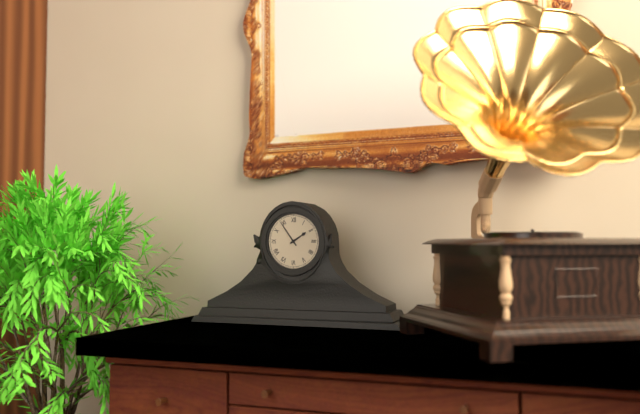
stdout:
{"hour": 1, "minute": 54}
